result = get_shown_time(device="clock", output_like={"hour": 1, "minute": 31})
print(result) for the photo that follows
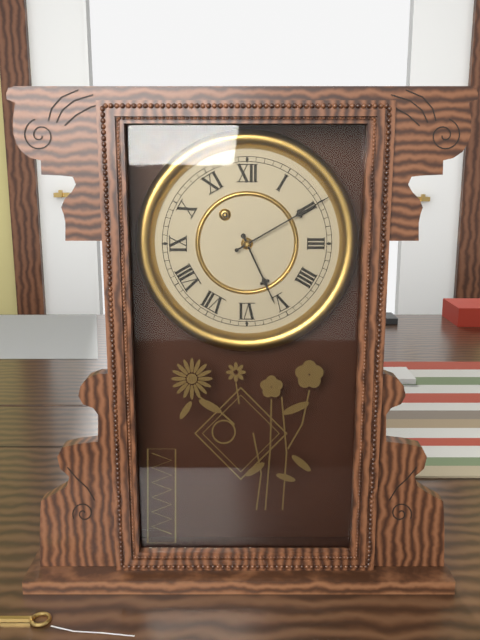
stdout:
{"hour": 5, "minute": 10}
